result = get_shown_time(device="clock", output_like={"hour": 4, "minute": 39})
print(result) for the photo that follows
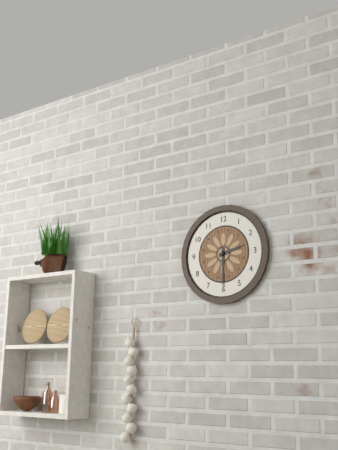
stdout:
{"hour": 2, "minute": 30}
